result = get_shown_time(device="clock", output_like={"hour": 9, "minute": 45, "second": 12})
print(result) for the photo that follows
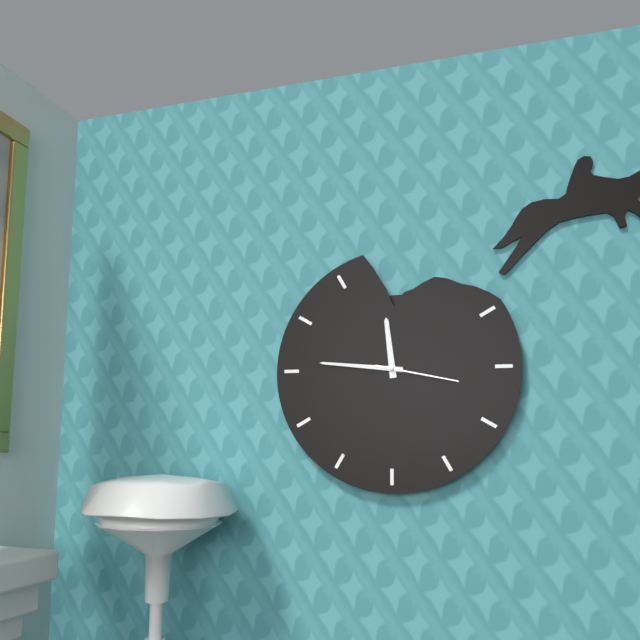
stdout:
{"hour": 11, "minute": 46, "second": 17}
